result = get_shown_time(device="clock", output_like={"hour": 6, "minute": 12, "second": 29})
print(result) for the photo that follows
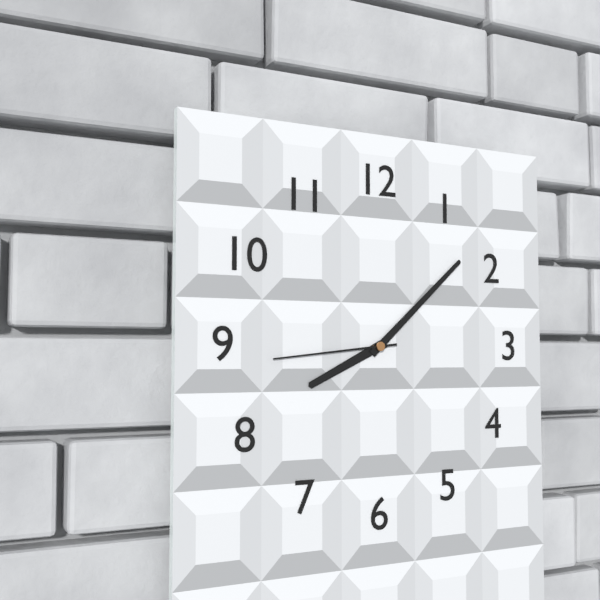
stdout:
{"hour": 8, "minute": 8, "second": 44}
